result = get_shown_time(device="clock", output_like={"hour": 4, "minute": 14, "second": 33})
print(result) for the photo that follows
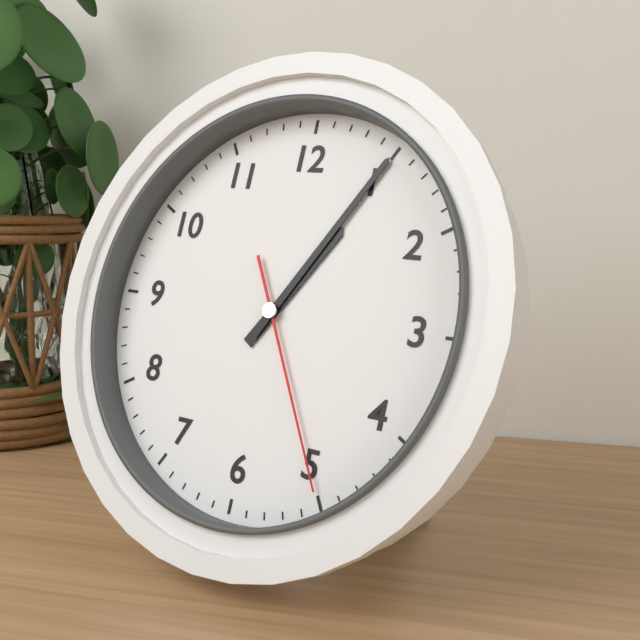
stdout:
{"hour": 1, "minute": 5, "second": 25}
